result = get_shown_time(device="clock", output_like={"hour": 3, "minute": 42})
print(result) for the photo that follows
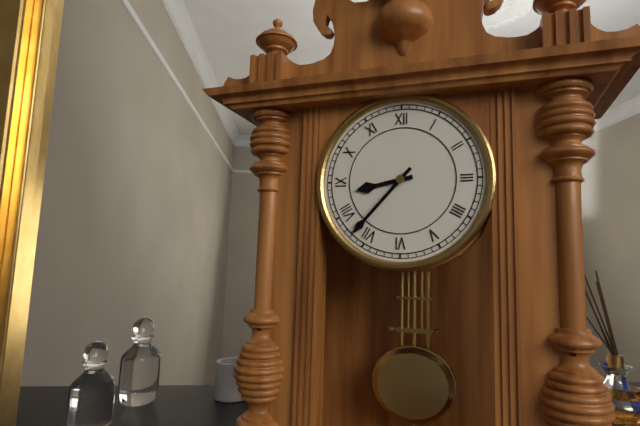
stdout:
{"hour": 8, "minute": 37}
